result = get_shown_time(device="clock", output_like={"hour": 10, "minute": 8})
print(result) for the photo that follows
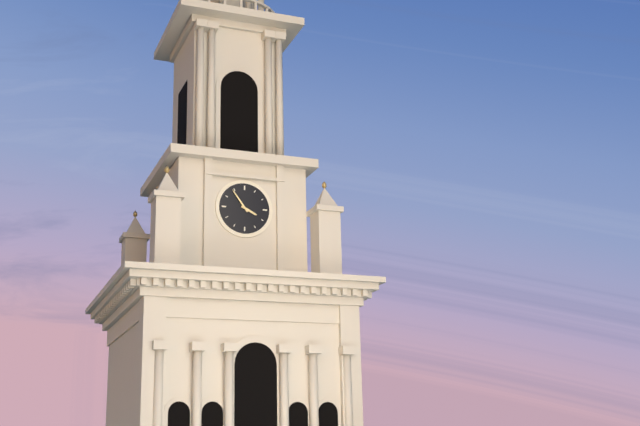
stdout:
{"hour": 3, "minute": 54}
